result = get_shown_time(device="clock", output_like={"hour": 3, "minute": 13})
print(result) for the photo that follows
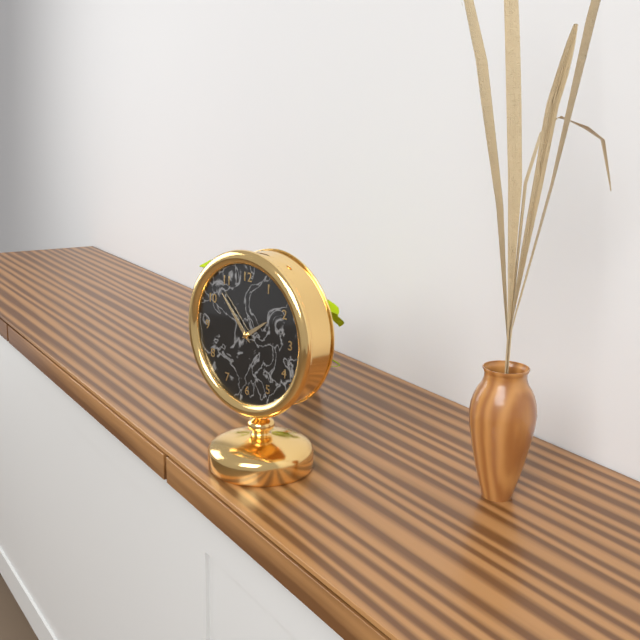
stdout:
{"hour": 1, "minute": 53}
